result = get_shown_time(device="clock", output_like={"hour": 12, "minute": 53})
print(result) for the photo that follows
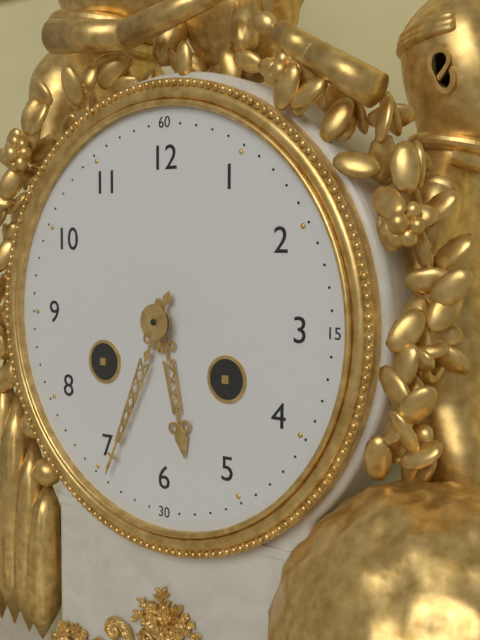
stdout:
{"hour": 5, "minute": 34}
